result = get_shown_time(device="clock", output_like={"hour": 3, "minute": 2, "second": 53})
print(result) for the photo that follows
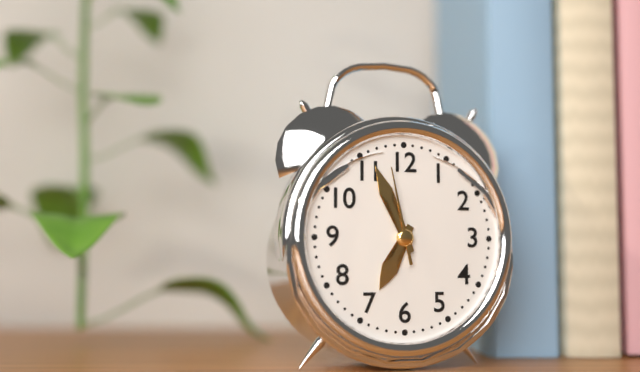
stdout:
{"hour": 6, "minute": 56, "second": 58}
